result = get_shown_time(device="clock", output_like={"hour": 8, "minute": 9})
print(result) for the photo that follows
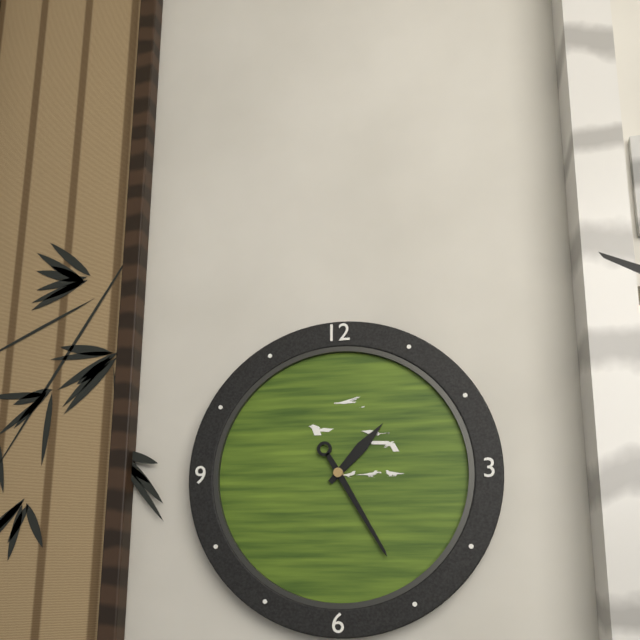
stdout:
{"hour": 1, "minute": 25}
